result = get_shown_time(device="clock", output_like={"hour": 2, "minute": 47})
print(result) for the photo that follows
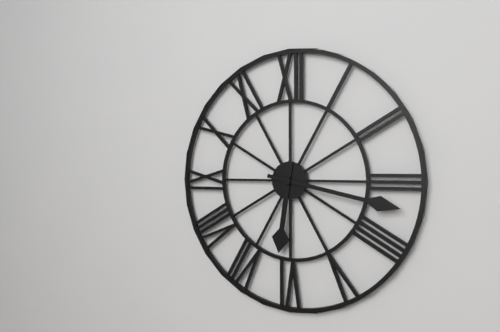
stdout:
{"hour": 6, "minute": 17}
